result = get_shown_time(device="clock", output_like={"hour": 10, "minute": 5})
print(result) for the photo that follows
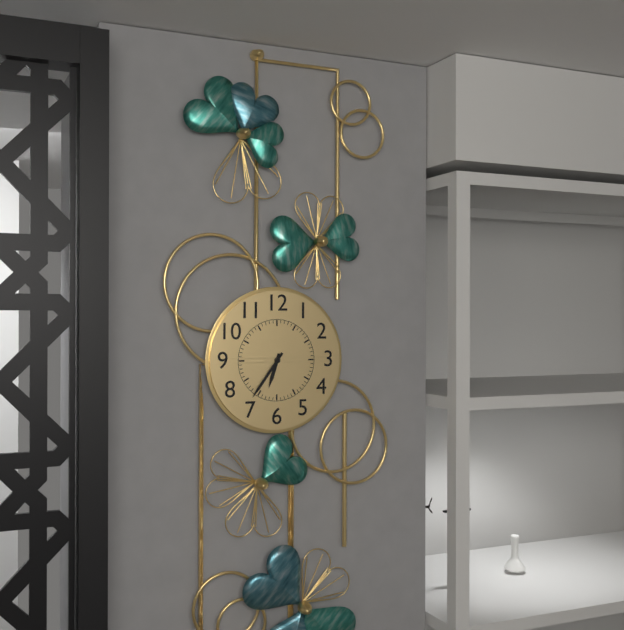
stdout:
{"hour": 6, "minute": 36}
